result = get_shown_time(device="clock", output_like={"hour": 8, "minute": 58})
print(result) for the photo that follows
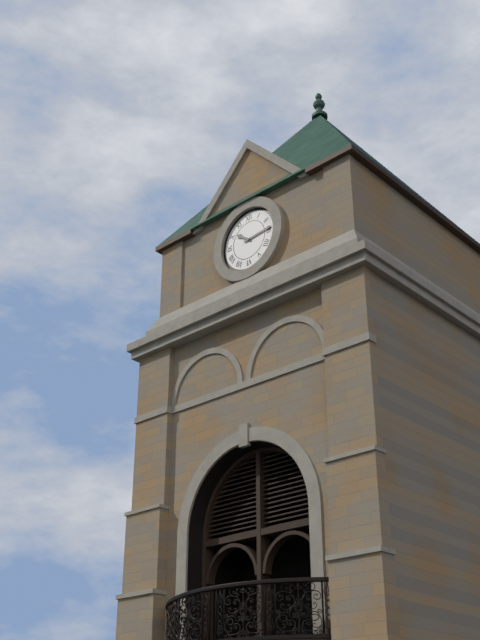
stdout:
{"hour": 10, "minute": 14}
